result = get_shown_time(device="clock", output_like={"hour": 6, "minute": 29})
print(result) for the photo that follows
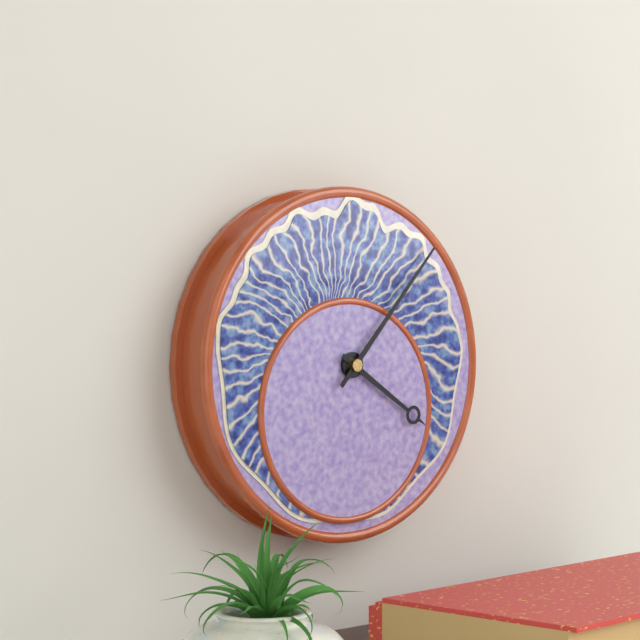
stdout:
{"hour": 4, "minute": 7}
